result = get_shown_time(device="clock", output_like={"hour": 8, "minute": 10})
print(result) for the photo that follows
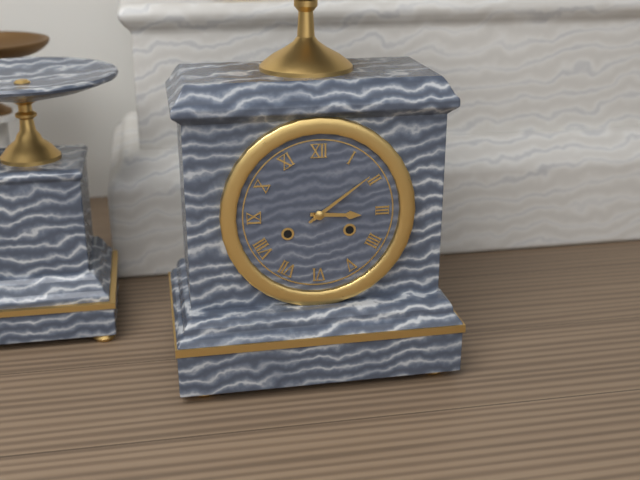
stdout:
{"hour": 3, "minute": 9}
